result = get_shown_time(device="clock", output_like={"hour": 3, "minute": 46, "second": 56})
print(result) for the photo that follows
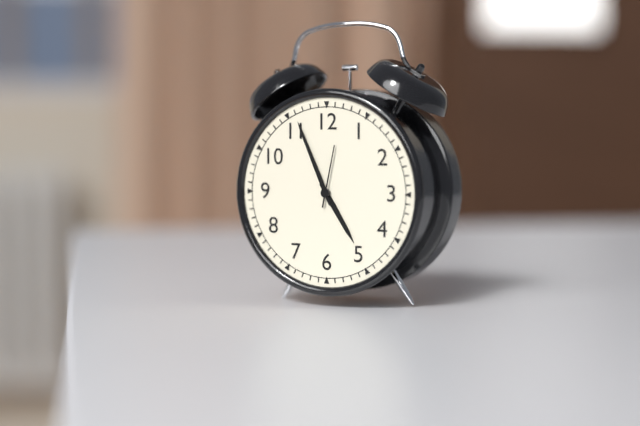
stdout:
{"hour": 4, "minute": 56, "second": 2}
